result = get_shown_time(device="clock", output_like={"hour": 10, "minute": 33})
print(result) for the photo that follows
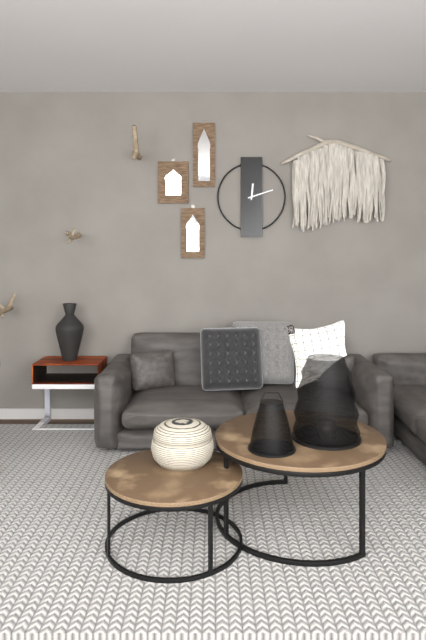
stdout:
{"hour": 12, "minute": 12}
